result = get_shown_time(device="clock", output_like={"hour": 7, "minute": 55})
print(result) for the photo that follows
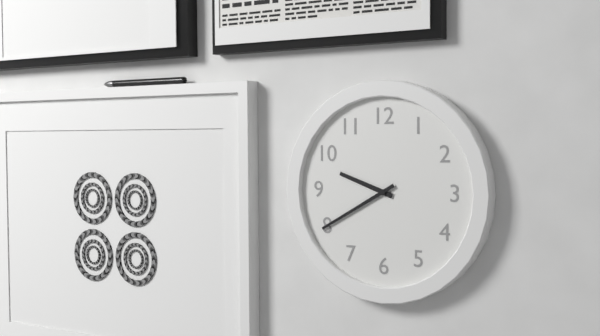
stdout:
{"hour": 9, "minute": 40}
